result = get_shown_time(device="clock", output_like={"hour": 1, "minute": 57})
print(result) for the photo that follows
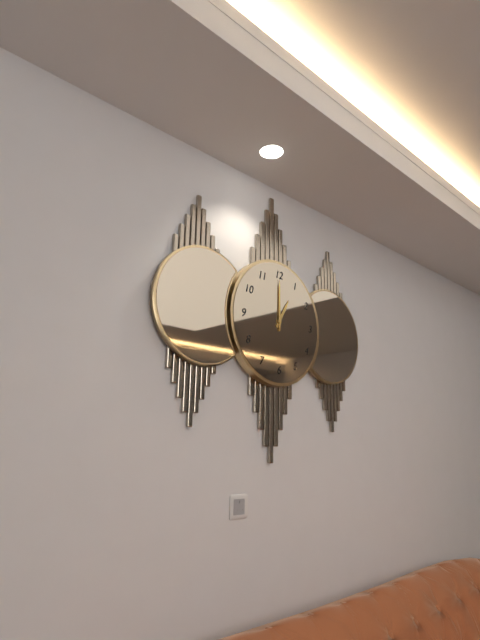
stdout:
{"hour": 1, "minute": 0}
